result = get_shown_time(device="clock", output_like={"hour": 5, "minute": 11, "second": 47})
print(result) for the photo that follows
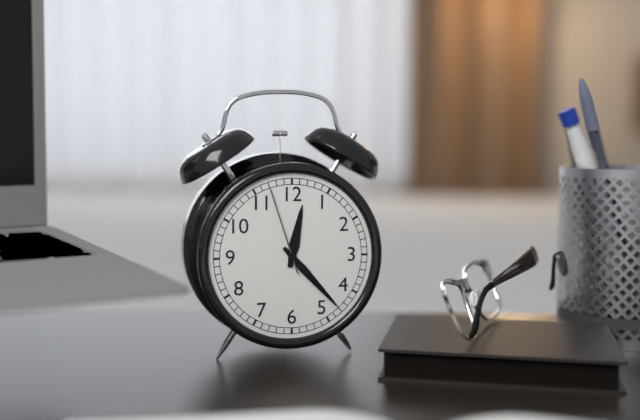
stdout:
{"hour": 12, "minute": 23, "second": 57}
